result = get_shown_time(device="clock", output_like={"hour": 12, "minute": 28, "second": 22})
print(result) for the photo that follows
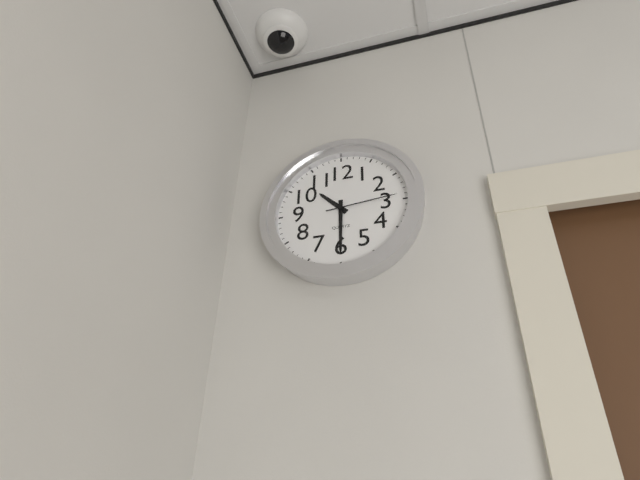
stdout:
{"hour": 10, "minute": 30, "second": 14}
